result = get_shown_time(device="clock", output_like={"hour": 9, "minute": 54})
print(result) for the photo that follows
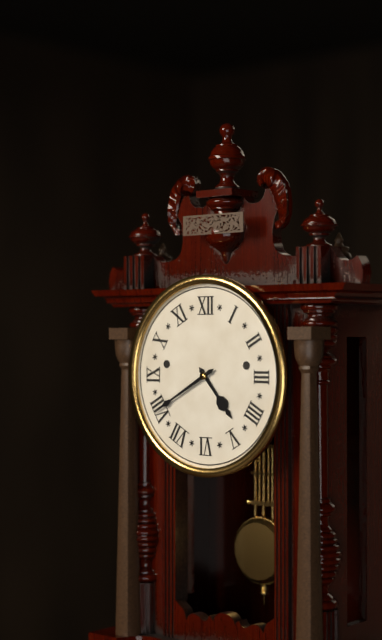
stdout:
{"hour": 4, "minute": 40}
